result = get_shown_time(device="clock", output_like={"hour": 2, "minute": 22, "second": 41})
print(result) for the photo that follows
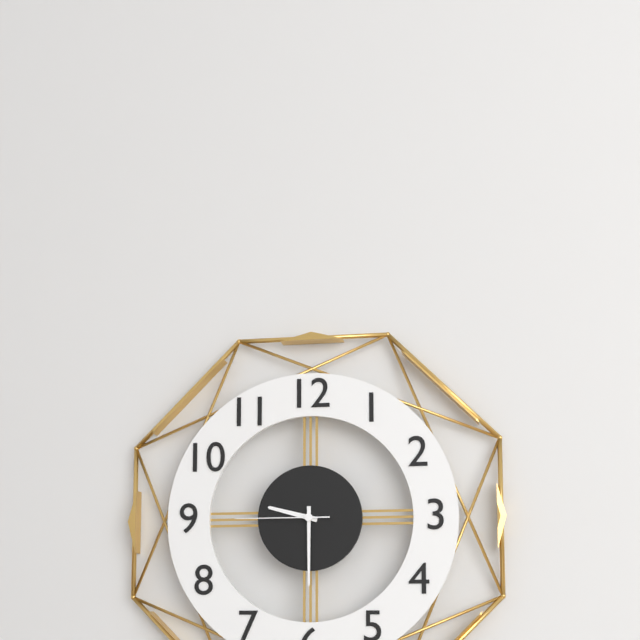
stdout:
{"hour": 9, "minute": 30, "second": 45}
